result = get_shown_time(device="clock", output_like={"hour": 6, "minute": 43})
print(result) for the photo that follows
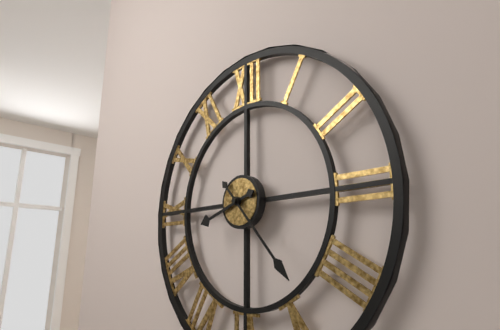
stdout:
{"hour": 8, "minute": 23}
